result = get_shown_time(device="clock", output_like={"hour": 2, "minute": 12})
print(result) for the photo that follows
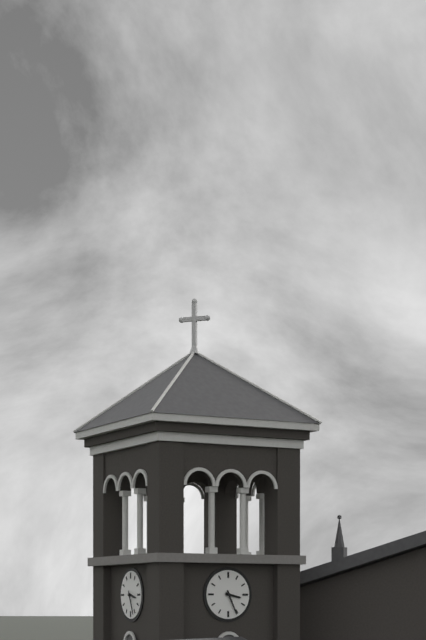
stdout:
{"hour": 3, "minute": 26}
